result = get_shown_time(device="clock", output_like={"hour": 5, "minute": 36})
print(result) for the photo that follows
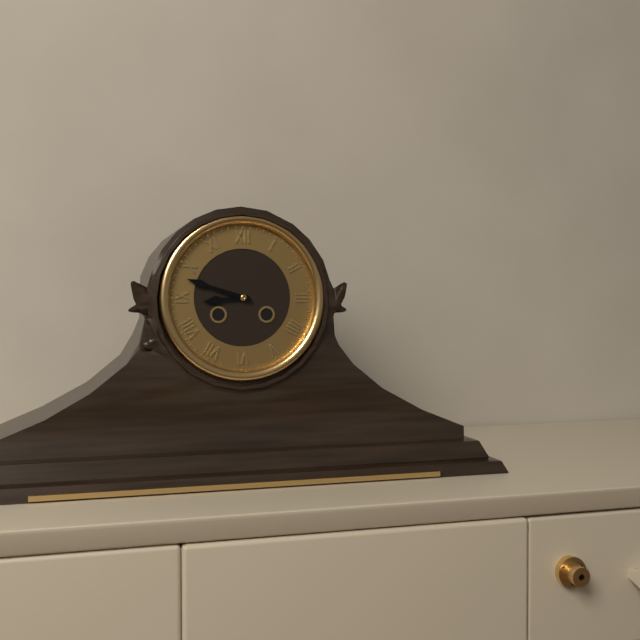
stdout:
{"hour": 8, "minute": 48}
